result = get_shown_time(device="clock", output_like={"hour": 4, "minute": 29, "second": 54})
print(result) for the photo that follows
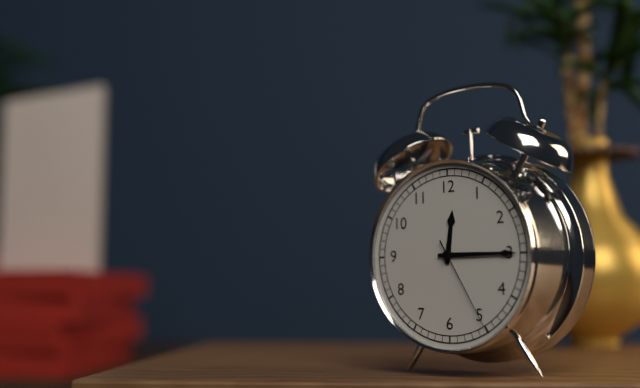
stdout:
{"hour": 12, "minute": 15, "second": 25}
